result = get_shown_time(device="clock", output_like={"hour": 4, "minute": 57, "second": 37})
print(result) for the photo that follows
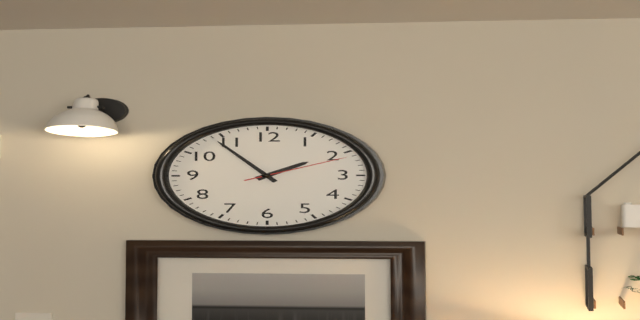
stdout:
{"hour": 1, "minute": 54, "second": 11}
